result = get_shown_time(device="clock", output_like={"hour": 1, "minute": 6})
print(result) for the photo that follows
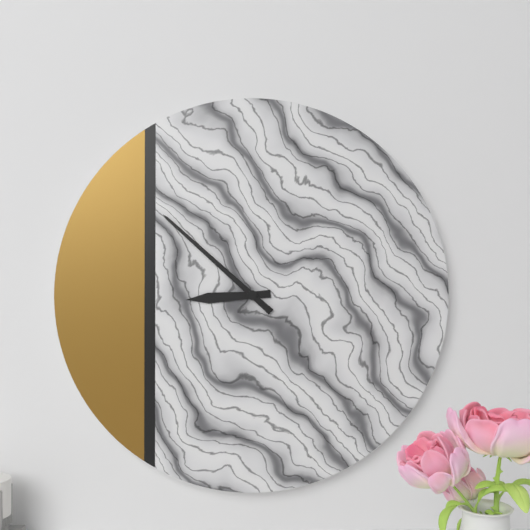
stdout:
{"hour": 8, "minute": 52}
